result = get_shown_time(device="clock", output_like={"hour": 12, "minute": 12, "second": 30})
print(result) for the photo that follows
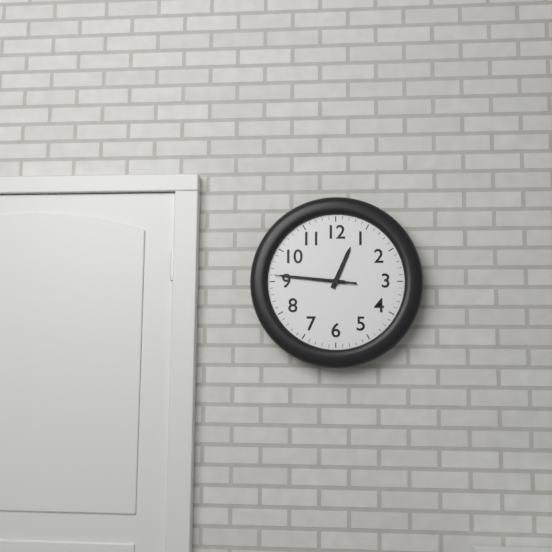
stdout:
{"hour": 12, "minute": 46, "second": 46}
